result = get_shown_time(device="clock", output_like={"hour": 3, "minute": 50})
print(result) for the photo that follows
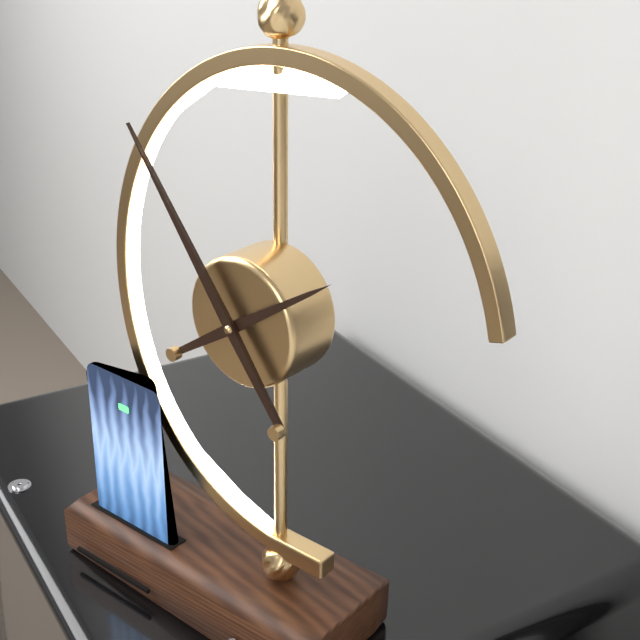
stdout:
{"hour": 1, "minute": 54}
